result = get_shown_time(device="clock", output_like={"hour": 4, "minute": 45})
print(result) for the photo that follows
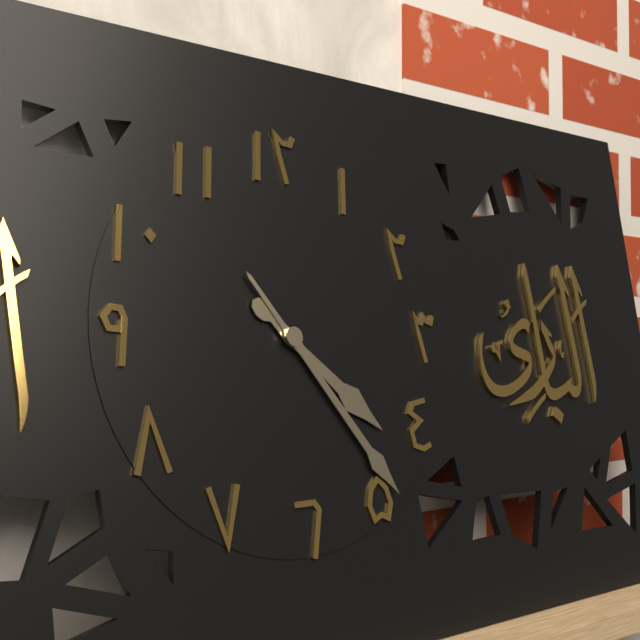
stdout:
{"hour": 4, "minute": 24}
